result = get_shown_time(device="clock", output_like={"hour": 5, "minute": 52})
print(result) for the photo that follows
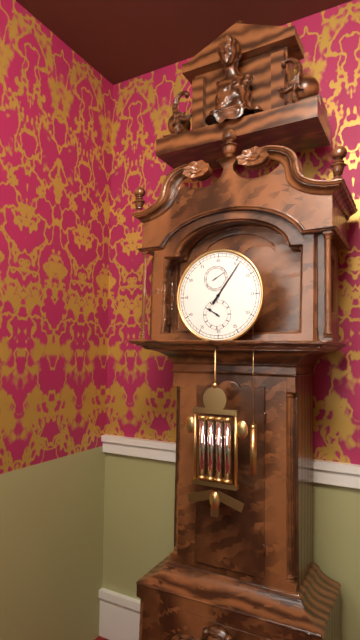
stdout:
{"hour": 10, "minute": 6}
